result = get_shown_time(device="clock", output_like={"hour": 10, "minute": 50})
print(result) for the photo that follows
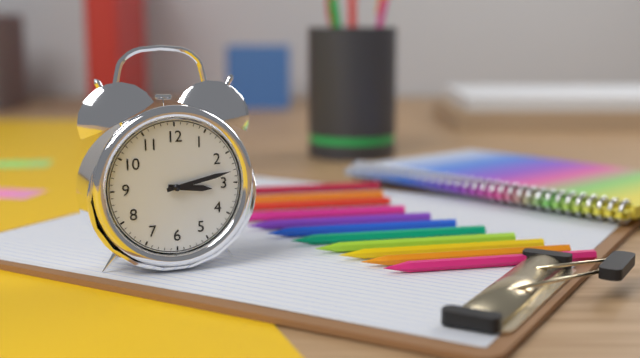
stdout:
{"hour": 3, "minute": 13}
